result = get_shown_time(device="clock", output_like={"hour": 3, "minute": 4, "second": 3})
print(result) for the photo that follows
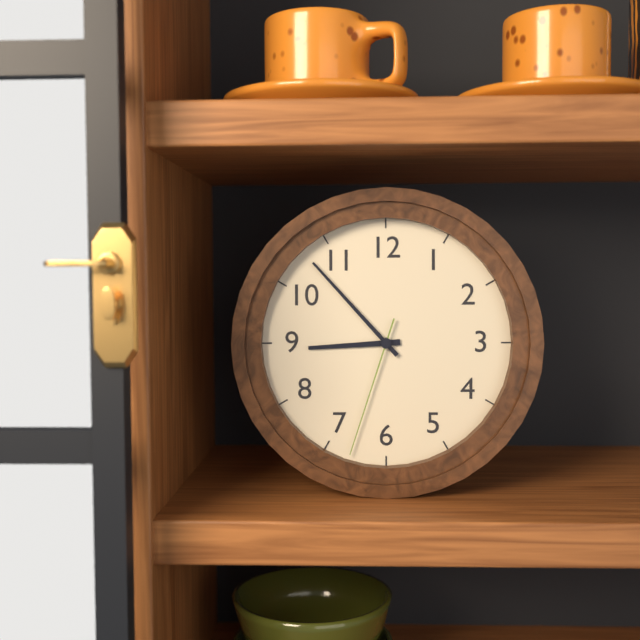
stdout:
{"hour": 8, "minute": 53, "second": 33}
